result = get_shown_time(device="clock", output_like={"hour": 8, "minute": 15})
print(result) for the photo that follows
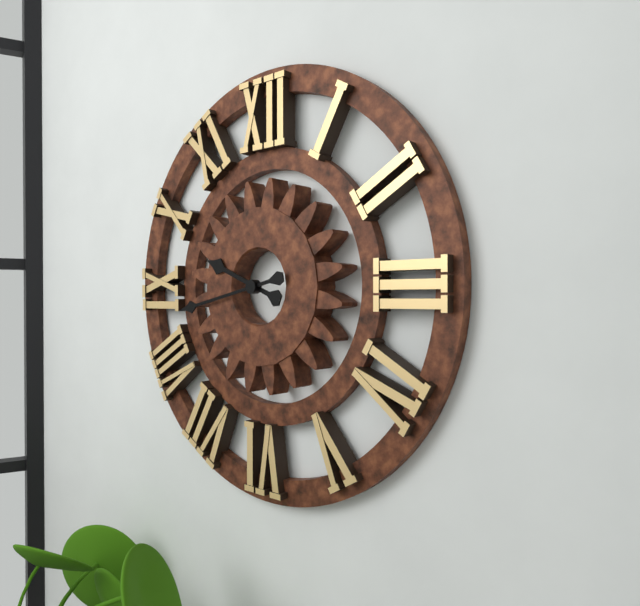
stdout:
{"hour": 9, "minute": 43}
